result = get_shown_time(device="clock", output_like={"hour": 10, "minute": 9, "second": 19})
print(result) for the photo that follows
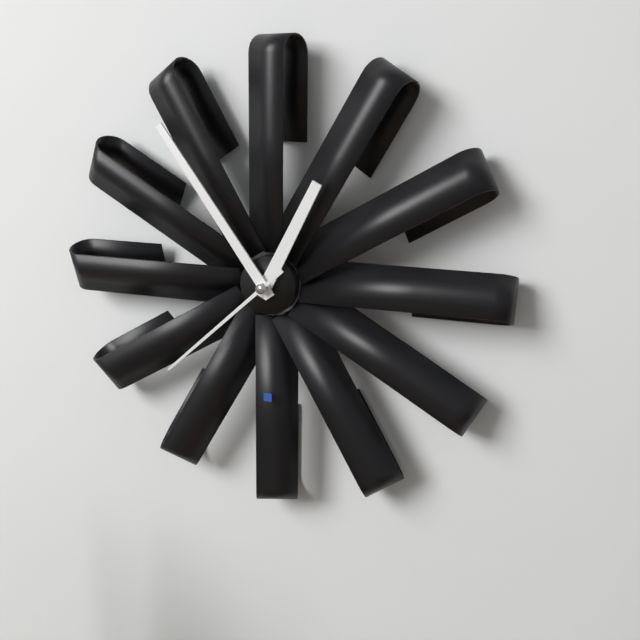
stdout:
{"hour": 12, "minute": 54, "second": 38}
